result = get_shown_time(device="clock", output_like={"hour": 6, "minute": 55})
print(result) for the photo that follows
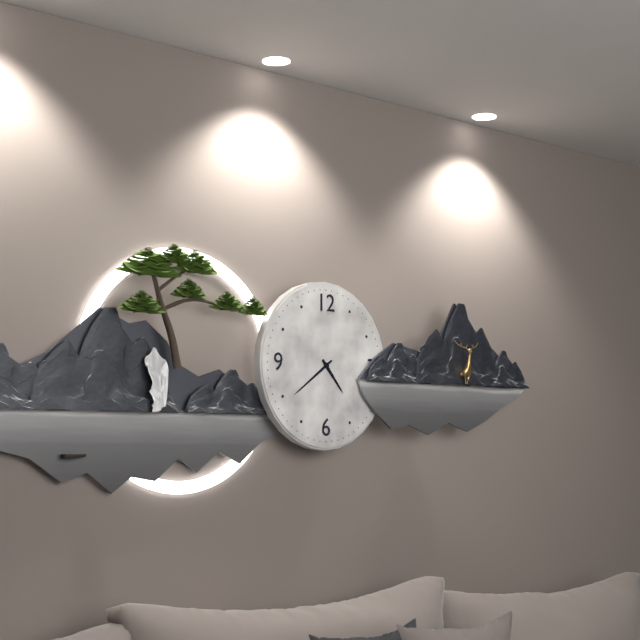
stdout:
{"hour": 4, "minute": 39}
